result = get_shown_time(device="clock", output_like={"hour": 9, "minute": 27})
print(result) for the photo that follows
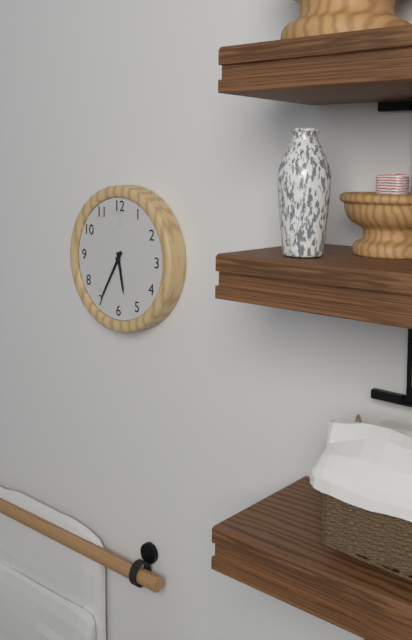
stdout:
{"hour": 5, "minute": 35}
